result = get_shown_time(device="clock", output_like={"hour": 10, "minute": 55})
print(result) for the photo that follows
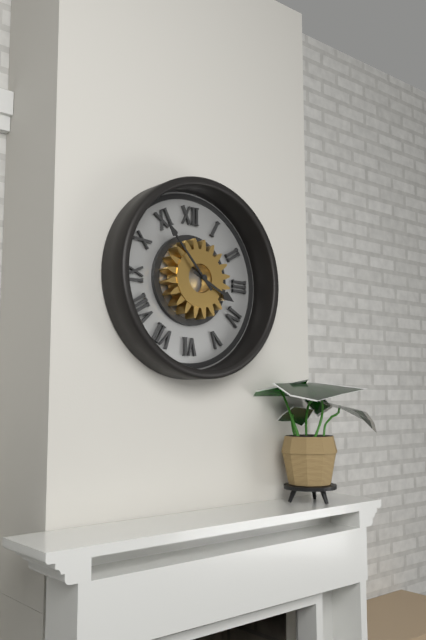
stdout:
{"hour": 3, "minute": 53}
